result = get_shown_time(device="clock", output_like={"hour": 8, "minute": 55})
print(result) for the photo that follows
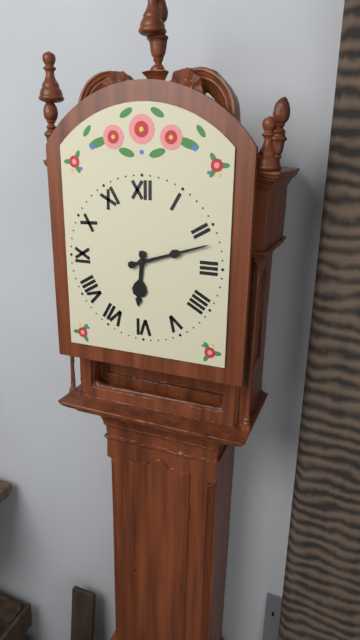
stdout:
{"hour": 6, "minute": 12}
